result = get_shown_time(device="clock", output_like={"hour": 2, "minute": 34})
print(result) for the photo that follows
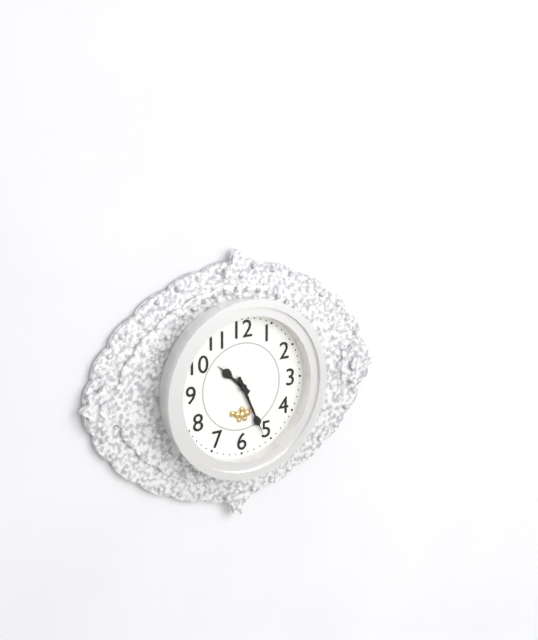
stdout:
{"hour": 10, "minute": 26}
